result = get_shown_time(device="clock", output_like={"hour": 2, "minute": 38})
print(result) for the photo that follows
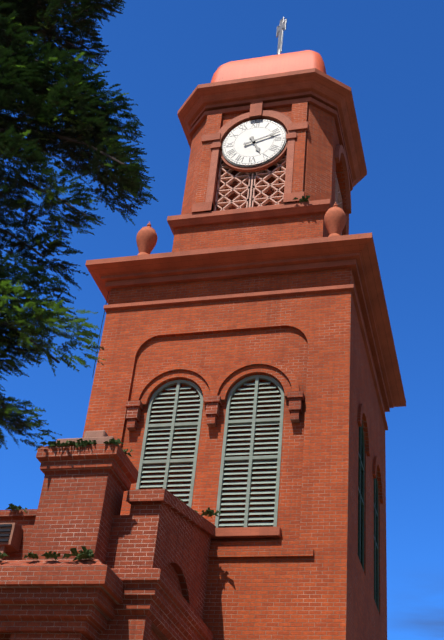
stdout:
{"hour": 5, "minute": 12}
